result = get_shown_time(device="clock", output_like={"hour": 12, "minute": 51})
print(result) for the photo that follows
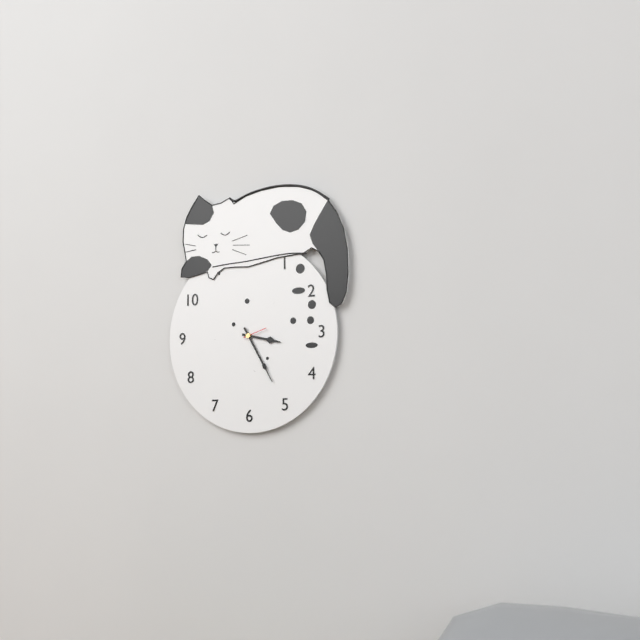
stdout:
{"hour": 3, "minute": 25}
